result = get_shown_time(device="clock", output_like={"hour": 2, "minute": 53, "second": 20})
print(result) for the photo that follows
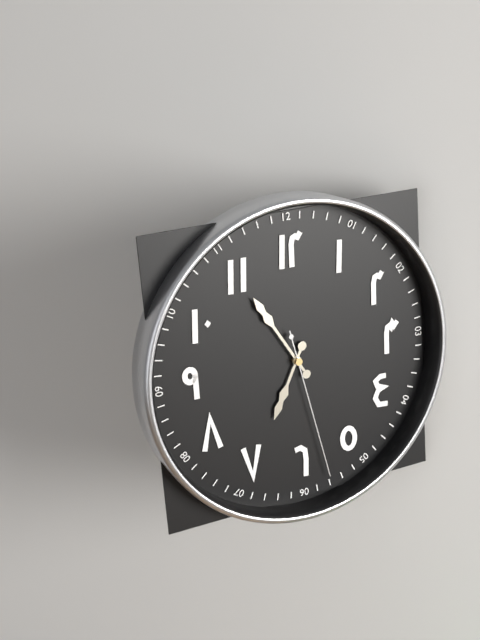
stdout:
{"hour": 6, "minute": 55, "second": 28}
